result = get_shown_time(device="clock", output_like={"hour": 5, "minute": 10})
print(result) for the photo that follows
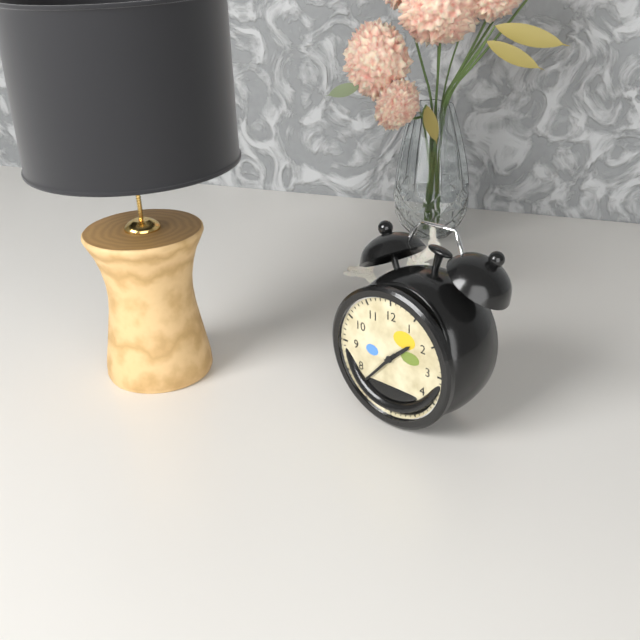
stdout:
{"hour": 1, "minute": 37}
